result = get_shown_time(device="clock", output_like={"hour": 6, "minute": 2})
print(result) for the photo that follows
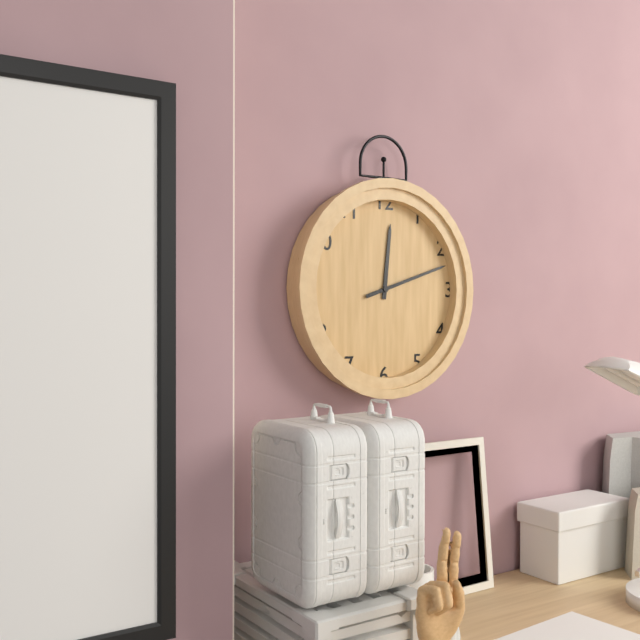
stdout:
{"hour": 12, "minute": 12}
